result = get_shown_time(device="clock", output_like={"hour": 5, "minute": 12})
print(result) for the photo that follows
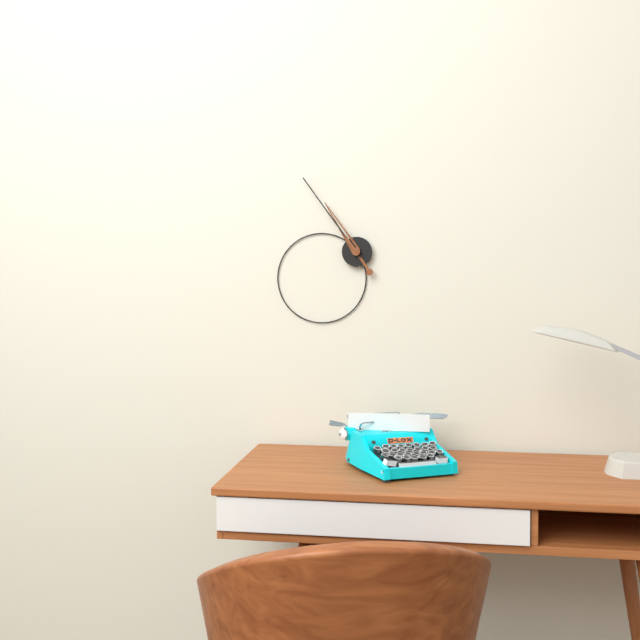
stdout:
{"hour": 10, "minute": 54}
